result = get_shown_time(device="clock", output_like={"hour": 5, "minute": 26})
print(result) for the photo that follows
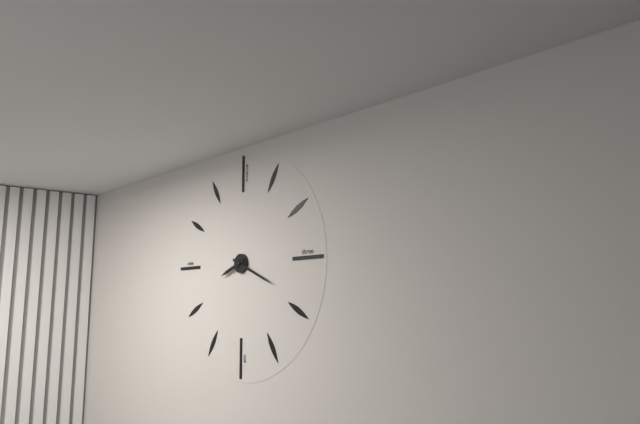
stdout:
{"hour": 8, "minute": 19}
